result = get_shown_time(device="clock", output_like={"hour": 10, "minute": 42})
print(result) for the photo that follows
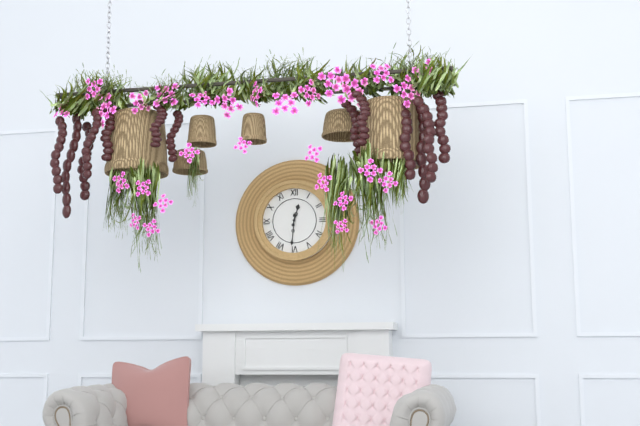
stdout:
{"hour": 12, "minute": 31}
